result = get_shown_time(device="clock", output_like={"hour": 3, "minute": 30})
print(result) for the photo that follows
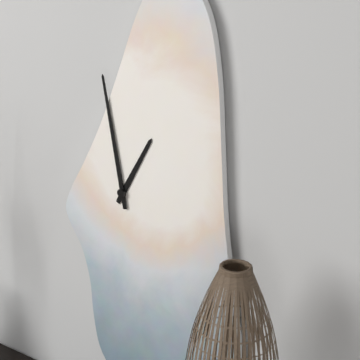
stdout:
{"hour": 12, "minute": 58}
